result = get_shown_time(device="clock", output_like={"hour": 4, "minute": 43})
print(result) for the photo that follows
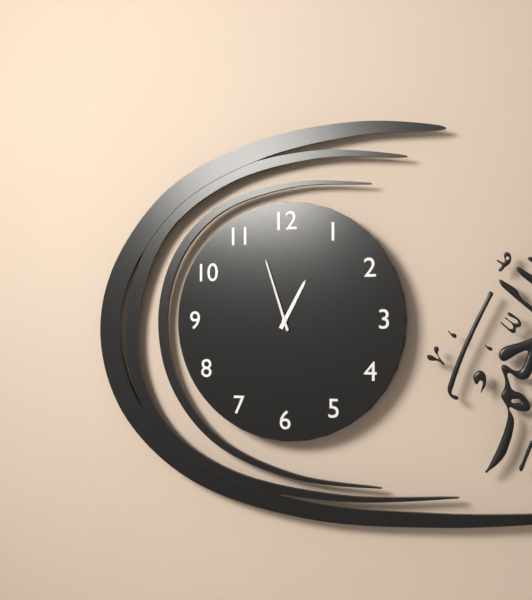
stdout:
{"hour": 12, "minute": 57}
